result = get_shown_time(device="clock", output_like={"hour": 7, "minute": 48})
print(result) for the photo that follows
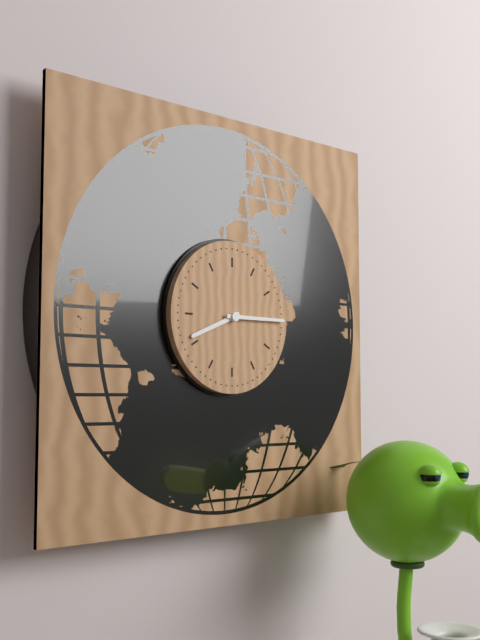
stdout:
{"hour": 8, "minute": 15}
